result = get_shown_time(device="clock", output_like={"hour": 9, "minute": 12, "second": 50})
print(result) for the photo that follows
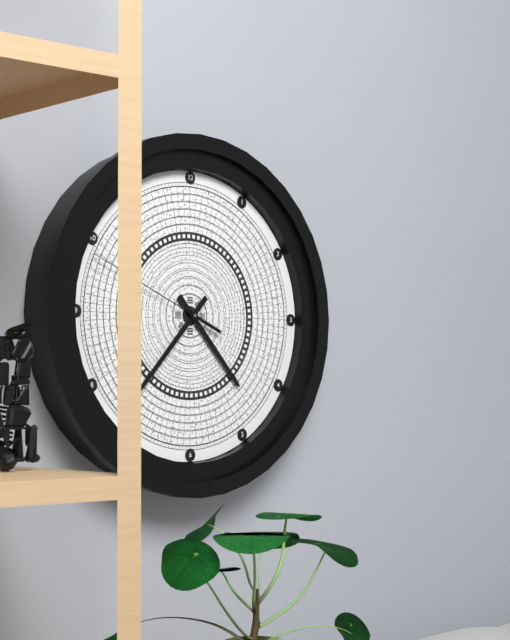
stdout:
{"hour": 4, "minute": 37, "second": 49}
